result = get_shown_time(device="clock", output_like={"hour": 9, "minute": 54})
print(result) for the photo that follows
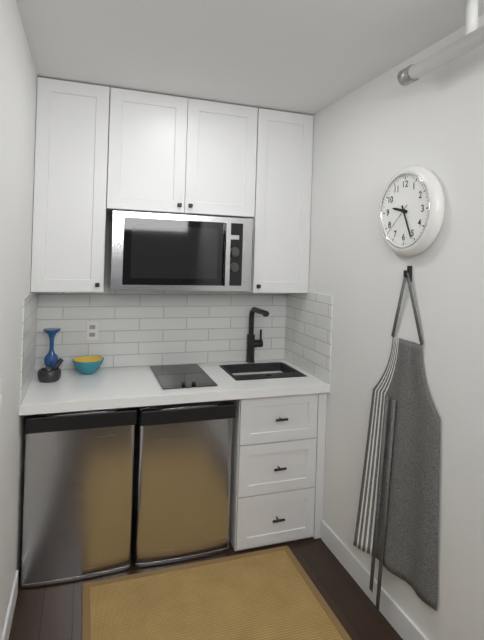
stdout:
{"hour": 9, "minute": 26}
